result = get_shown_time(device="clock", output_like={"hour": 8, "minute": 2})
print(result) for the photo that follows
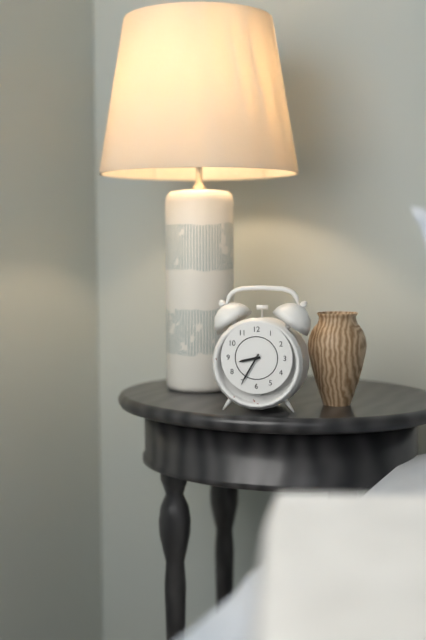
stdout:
{"hour": 8, "minute": 35}
